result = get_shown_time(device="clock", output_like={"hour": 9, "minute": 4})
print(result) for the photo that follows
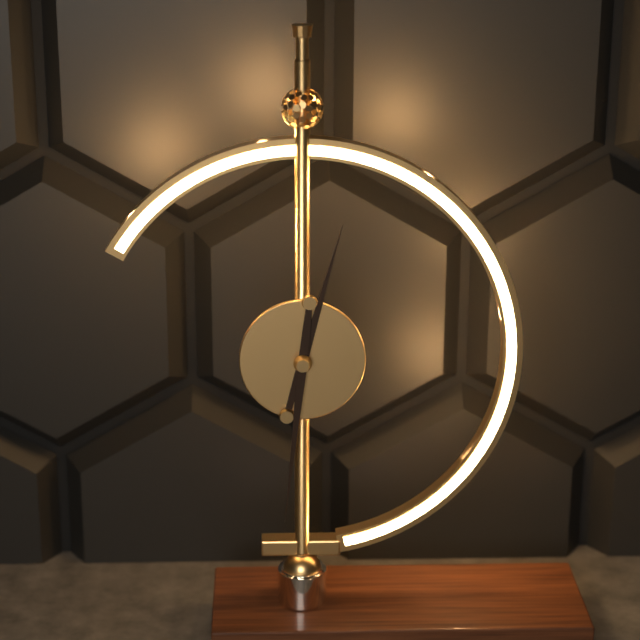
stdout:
{"hour": 12, "minute": 31}
